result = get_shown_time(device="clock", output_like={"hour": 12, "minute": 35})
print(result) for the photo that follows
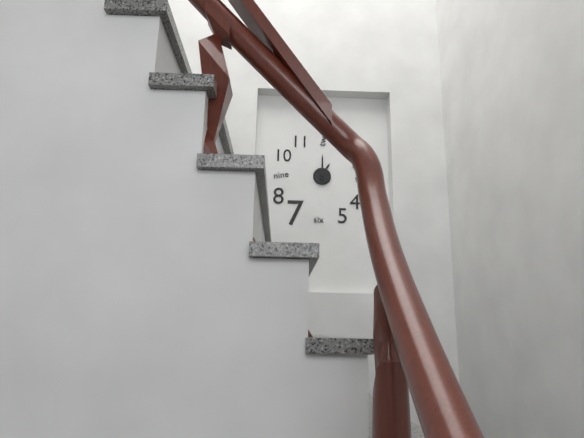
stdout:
{"hour": 1, "minute": 0}
